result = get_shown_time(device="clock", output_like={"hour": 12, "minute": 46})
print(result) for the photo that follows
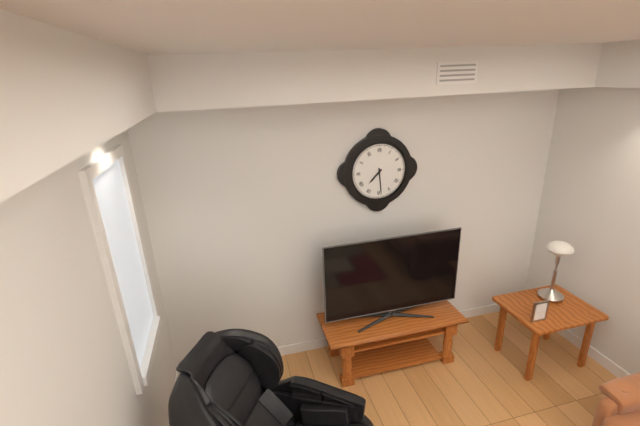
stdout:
{"hour": 7, "minute": 29}
